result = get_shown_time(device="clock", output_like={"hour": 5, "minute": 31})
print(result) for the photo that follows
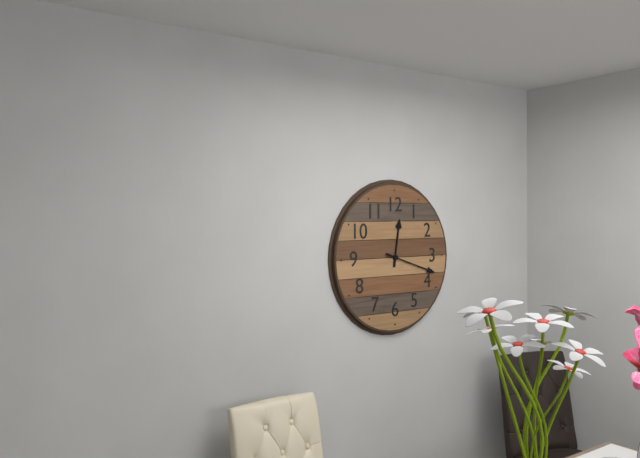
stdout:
{"hour": 12, "minute": 18}
